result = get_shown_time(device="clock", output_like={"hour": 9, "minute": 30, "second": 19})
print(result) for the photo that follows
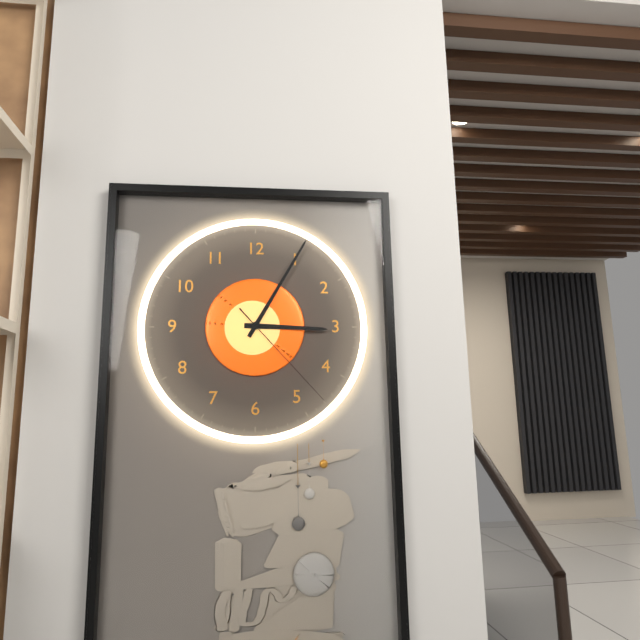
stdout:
{"hour": 3, "minute": 5, "second": 23}
